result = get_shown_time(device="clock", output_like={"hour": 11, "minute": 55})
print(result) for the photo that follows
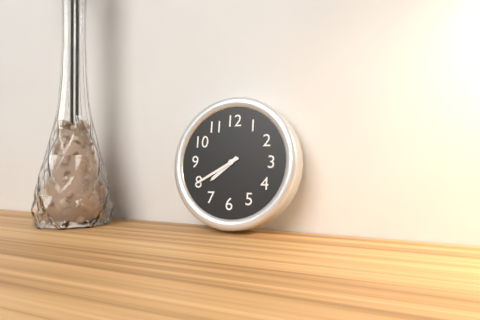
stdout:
{"hour": 7, "minute": 40}
